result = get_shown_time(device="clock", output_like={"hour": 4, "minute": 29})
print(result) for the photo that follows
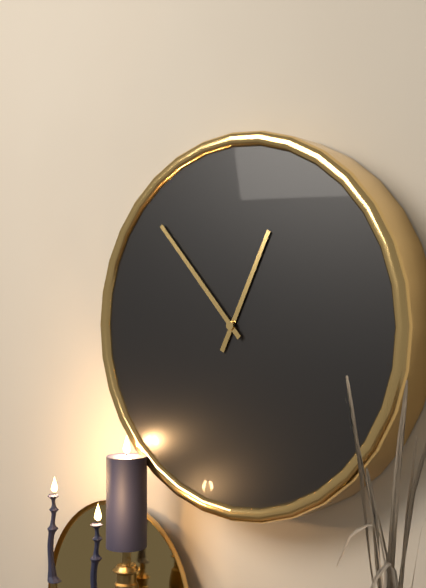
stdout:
{"hour": 12, "minute": 53}
